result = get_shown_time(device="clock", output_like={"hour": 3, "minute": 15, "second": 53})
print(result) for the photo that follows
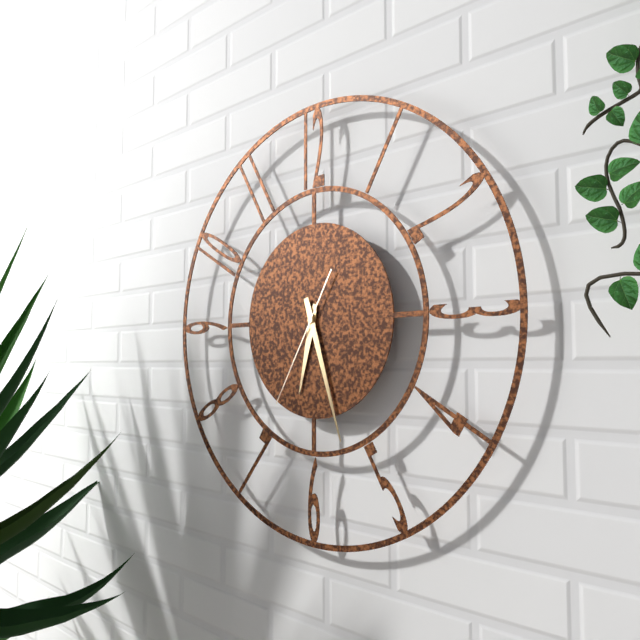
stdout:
{"hour": 6, "minute": 27, "second": 35}
